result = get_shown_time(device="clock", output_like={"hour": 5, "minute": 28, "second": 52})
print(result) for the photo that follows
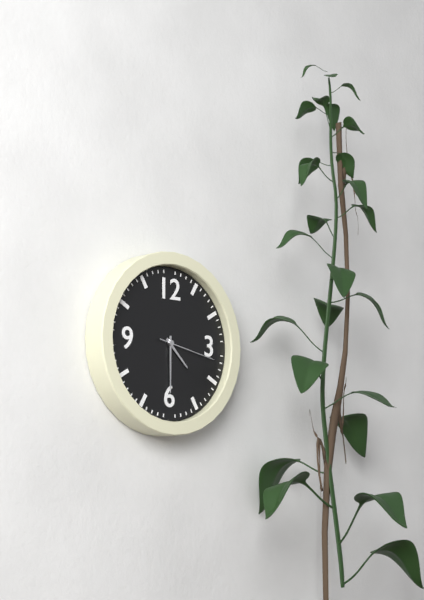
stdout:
{"hour": 4, "minute": 30, "second": 17}
